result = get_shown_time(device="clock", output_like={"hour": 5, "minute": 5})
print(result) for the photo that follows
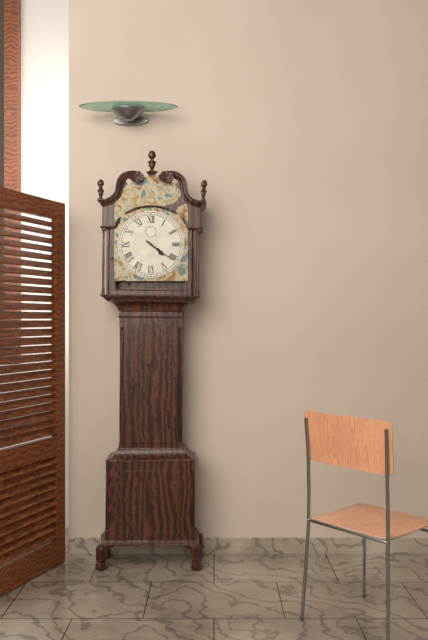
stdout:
{"hour": 4, "minute": 21}
